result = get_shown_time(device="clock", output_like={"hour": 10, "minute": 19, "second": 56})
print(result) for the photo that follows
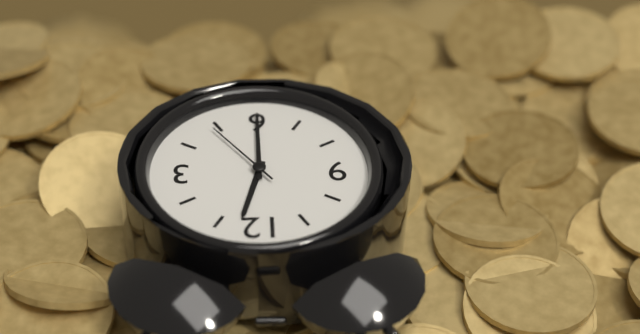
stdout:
{"hour": 12, "minute": 30, "second": 24}
